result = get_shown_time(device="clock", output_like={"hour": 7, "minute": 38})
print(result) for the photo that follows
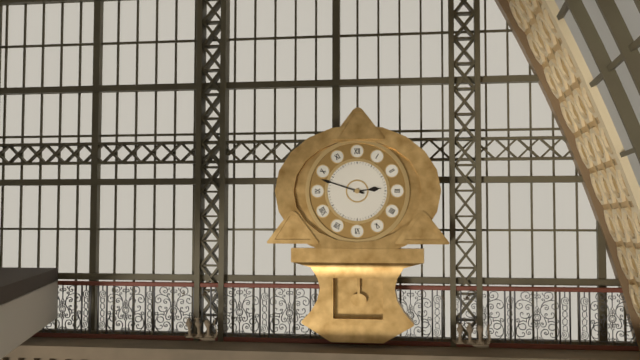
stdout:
{"hour": 2, "minute": 48}
